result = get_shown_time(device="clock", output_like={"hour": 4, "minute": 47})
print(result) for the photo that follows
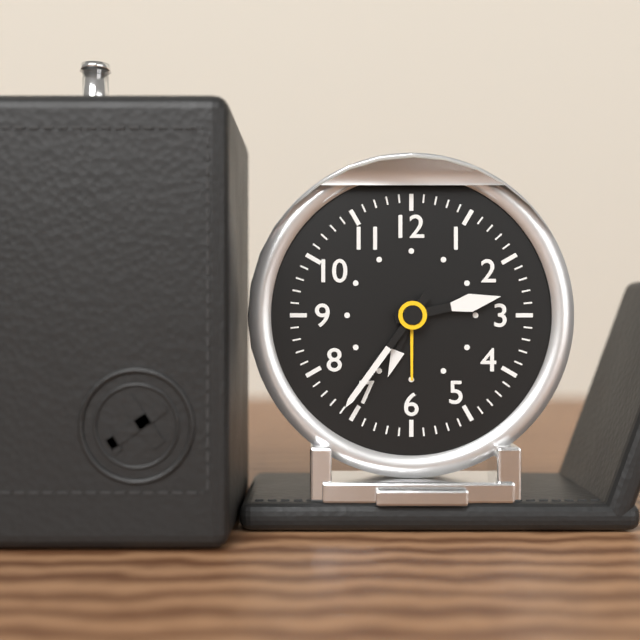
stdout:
{"hour": 2, "minute": 36}
